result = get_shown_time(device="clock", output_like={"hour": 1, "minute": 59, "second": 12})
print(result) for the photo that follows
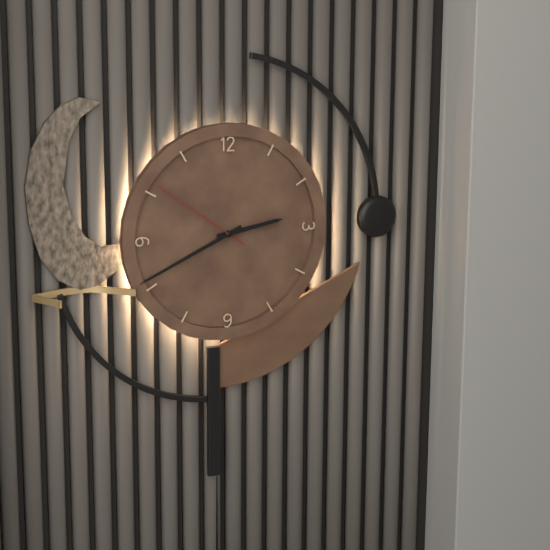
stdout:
{"hour": 2, "minute": 41, "second": 51}
